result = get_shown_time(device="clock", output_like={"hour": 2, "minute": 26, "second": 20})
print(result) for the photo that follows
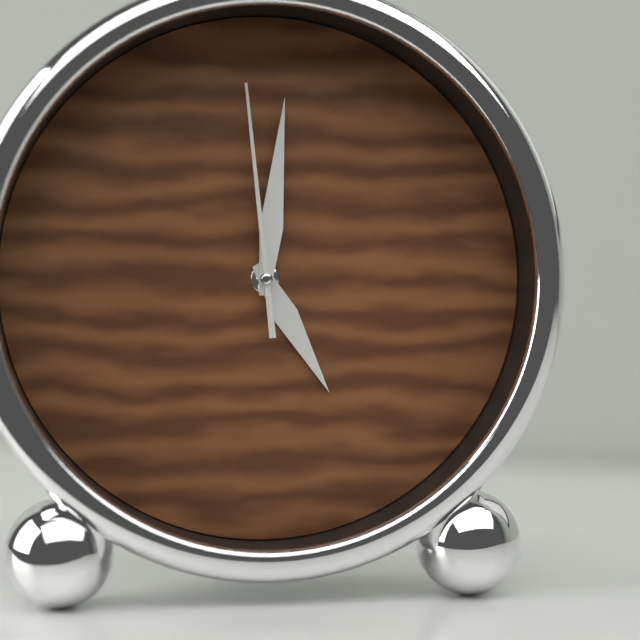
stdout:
{"hour": 5, "minute": 1, "second": 59}
